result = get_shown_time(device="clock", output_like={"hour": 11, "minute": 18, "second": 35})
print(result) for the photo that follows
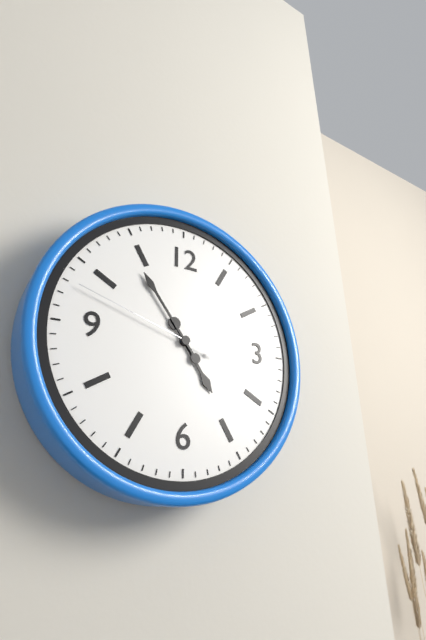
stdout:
{"hour": 4, "minute": 54, "second": 48}
